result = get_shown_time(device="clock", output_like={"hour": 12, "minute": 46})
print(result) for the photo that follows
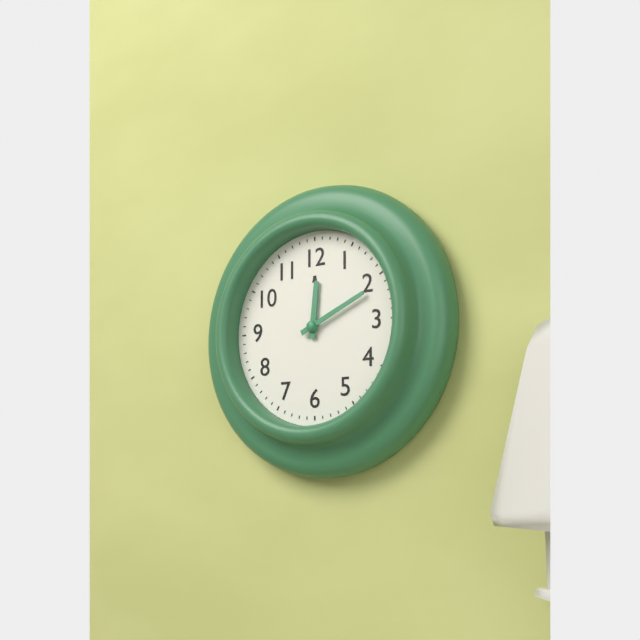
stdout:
{"hour": 12, "minute": 11}
